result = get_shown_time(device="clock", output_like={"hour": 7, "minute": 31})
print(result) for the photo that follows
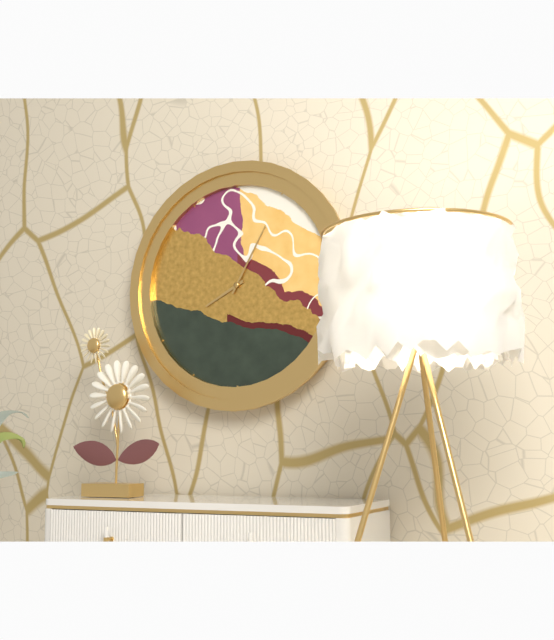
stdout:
{"hour": 8, "minute": 5}
